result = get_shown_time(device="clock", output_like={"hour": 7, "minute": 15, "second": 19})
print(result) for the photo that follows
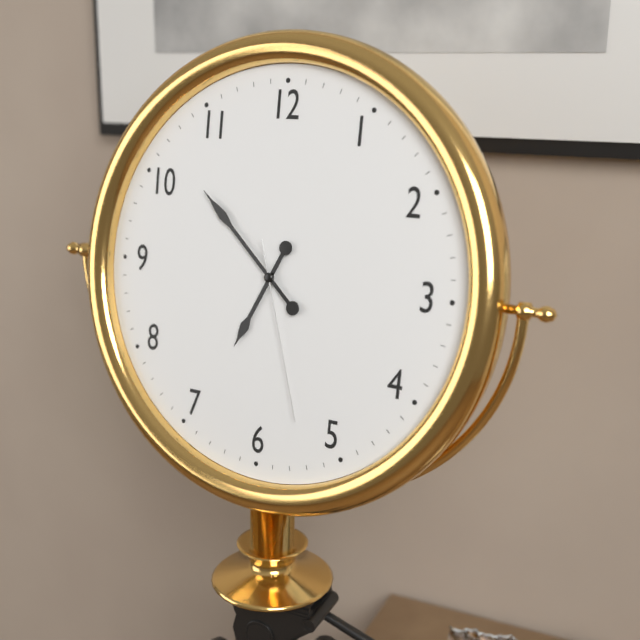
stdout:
{"hour": 6, "minute": 52, "second": 27}
